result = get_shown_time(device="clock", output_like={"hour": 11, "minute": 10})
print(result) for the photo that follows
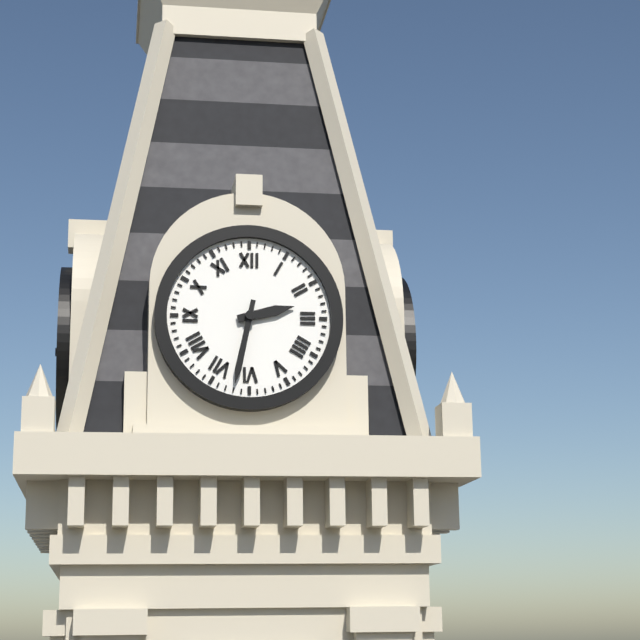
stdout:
{"hour": 2, "minute": 32}
